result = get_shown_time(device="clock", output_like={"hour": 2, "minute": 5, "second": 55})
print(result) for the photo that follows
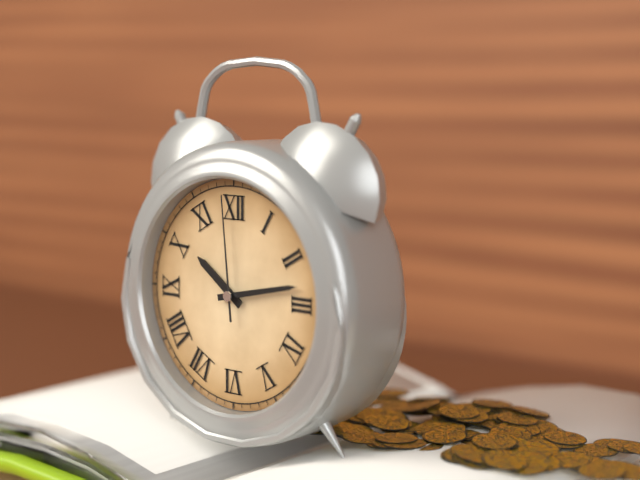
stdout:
{"hour": 10, "minute": 13, "second": 59}
